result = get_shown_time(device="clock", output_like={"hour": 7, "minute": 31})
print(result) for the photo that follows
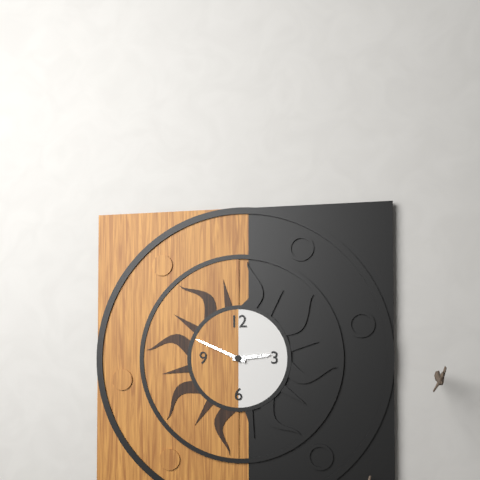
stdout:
{"hour": 2, "minute": 49}
